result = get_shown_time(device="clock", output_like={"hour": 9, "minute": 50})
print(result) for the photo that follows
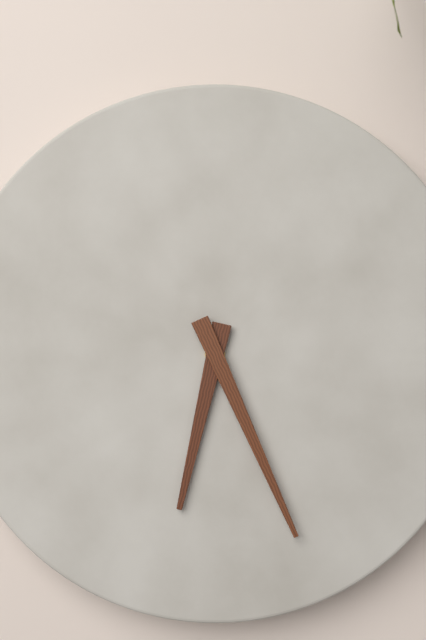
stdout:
{"hour": 6, "minute": 26}
